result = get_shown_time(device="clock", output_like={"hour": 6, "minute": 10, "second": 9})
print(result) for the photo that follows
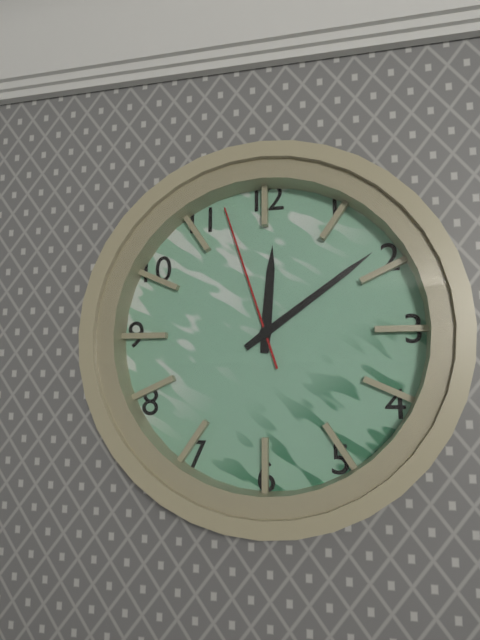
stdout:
{"hour": 12, "minute": 9, "second": 57}
